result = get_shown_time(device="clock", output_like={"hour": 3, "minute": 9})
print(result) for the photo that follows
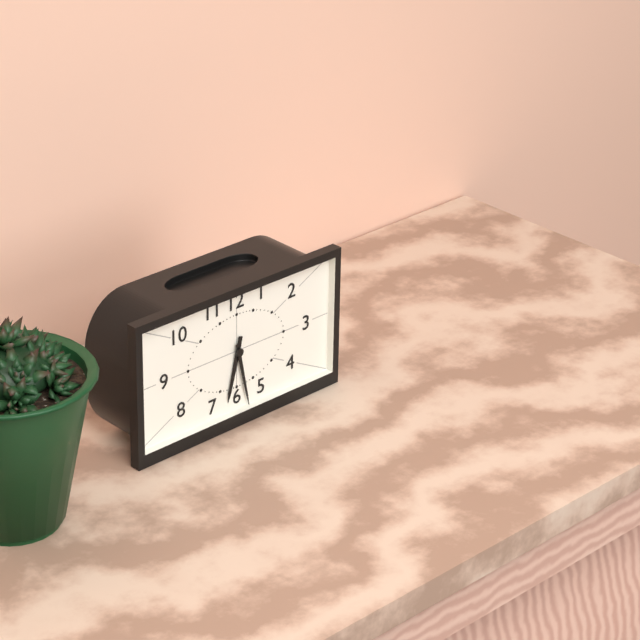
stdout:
{"hour": 6, "minute": 28}
